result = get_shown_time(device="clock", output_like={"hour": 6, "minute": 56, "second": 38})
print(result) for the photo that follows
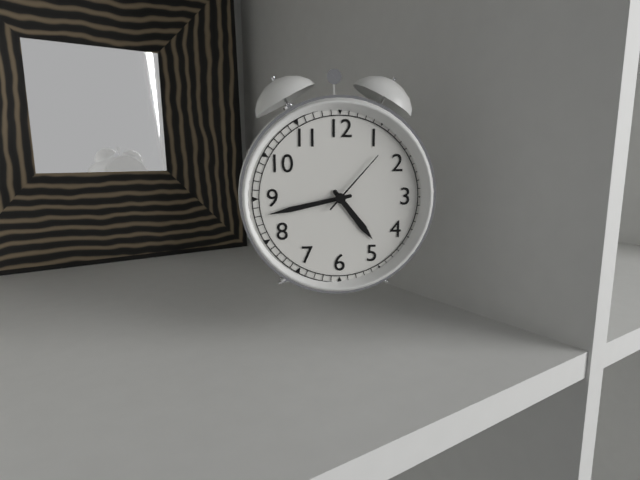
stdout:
{"hour": 4, "minute": 43, "second": 7}
